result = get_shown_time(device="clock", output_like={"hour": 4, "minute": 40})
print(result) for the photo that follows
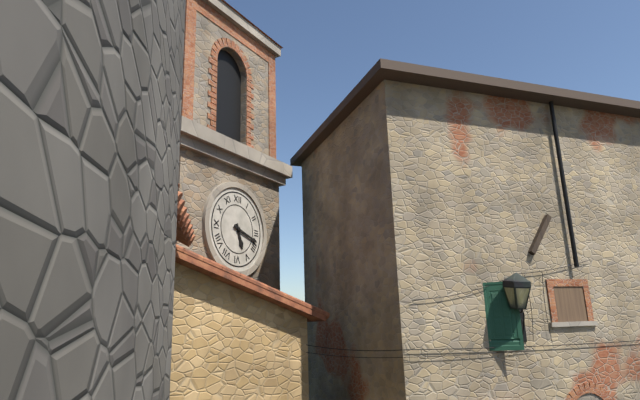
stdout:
{"hour": 5, "minute": 18}
